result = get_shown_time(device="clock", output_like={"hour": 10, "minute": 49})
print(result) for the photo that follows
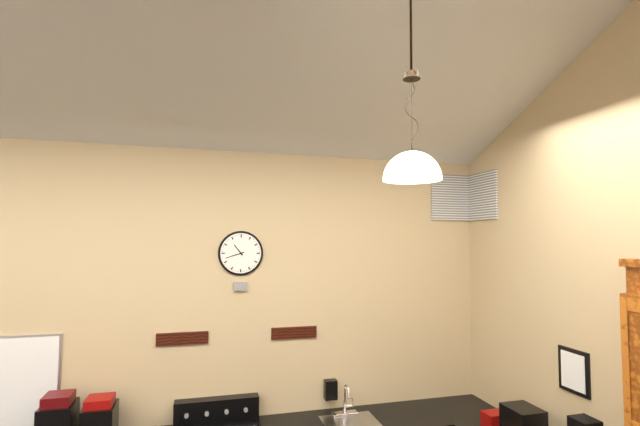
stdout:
{"hour": 10, "minute": 42}
